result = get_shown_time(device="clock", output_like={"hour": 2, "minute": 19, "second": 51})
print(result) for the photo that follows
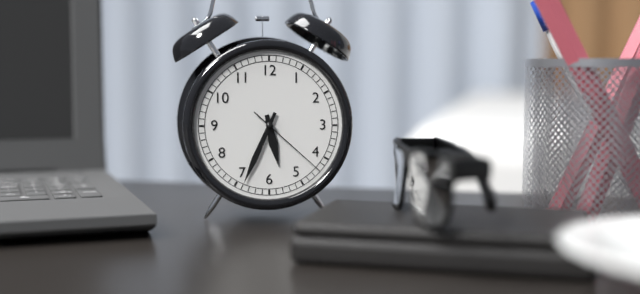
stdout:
{"hour": 5, "minute": 34, "second": 22}
